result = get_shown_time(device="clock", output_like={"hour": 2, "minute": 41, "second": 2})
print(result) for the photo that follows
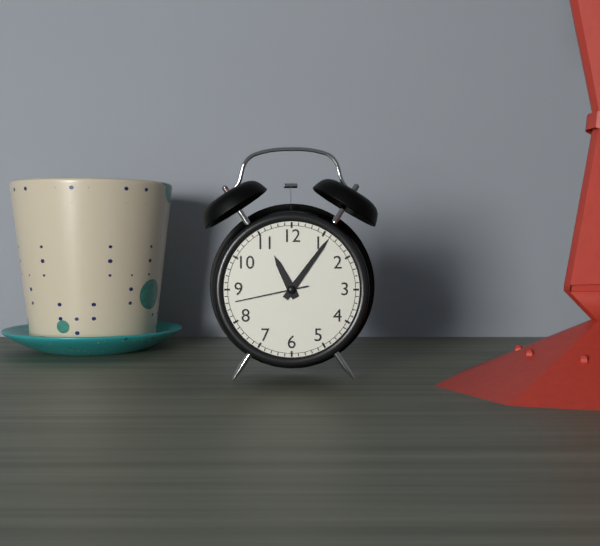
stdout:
{"hour": 11, "minute": 6, "second": 43}
